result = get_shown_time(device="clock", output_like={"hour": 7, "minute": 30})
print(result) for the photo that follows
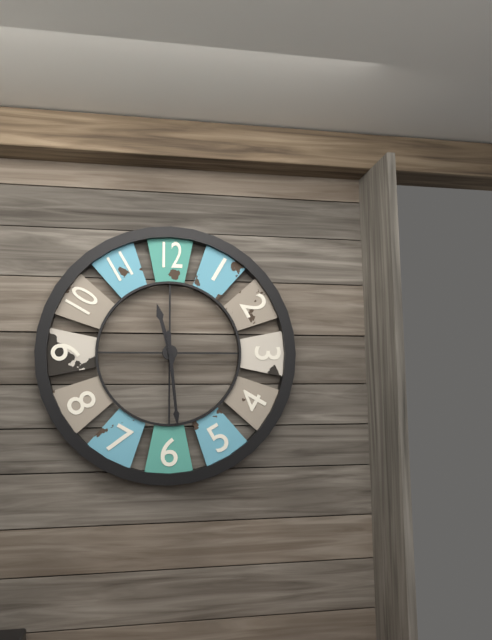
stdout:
{"hour": 11, "minute": 29}
